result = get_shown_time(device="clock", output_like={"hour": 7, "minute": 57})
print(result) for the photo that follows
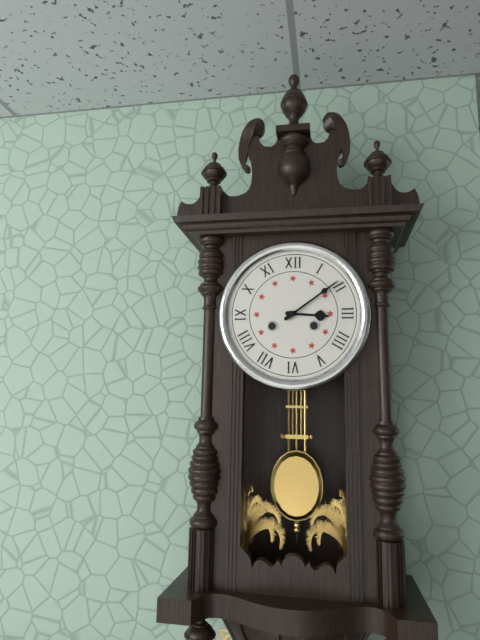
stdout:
{"hour": 3, "minute": 9}
